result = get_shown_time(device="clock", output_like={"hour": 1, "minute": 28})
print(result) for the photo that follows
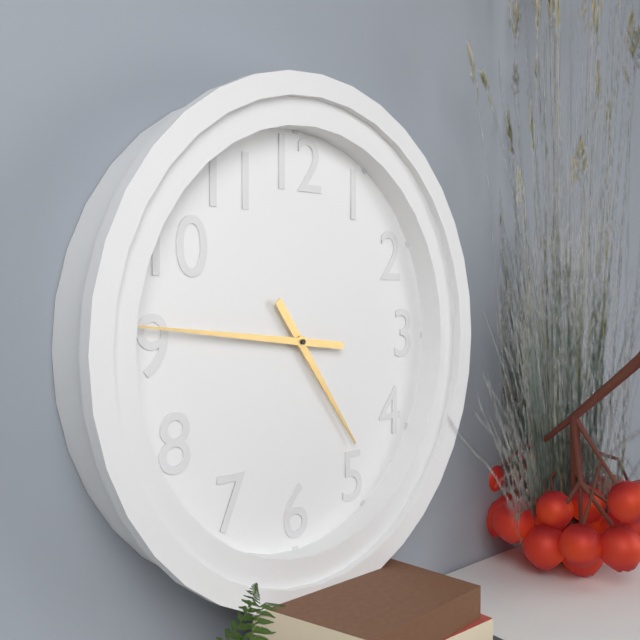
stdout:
{"hour": 4, "minute": 46}
